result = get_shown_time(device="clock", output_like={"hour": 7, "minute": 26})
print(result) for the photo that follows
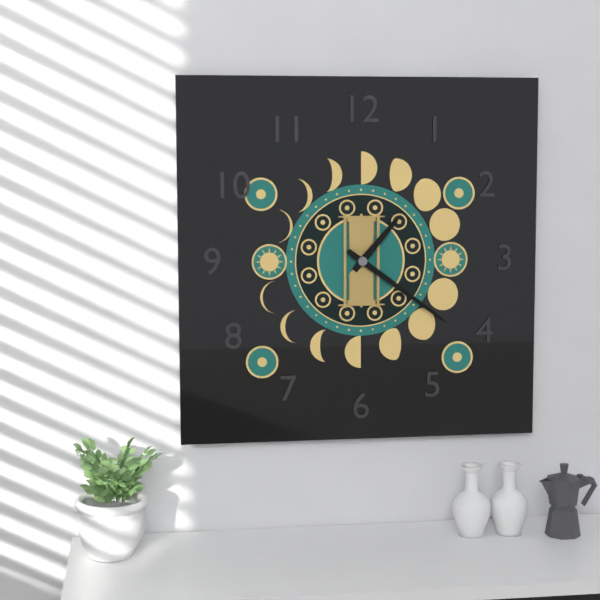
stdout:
{"hour": 1, "minute": 21}
